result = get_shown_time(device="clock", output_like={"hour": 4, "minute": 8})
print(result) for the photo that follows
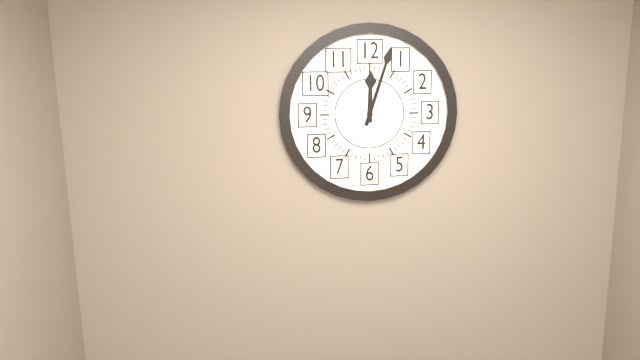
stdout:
{"hour": 12, "minute": 3}
